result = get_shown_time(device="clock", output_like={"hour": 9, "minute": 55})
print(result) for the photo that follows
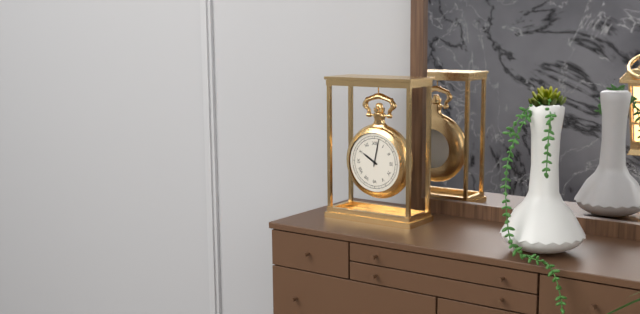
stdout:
{"hour": 10, "minute": 2}
